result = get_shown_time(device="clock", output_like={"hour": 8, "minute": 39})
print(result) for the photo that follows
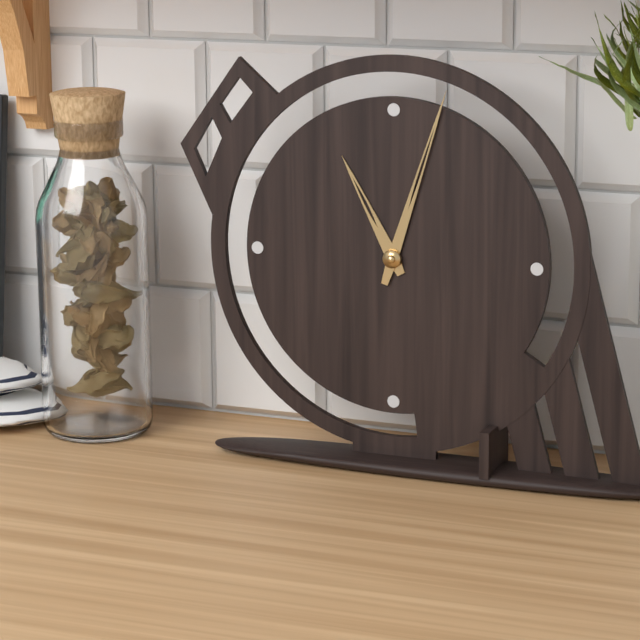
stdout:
{"hour": 11, "minute": 3}
